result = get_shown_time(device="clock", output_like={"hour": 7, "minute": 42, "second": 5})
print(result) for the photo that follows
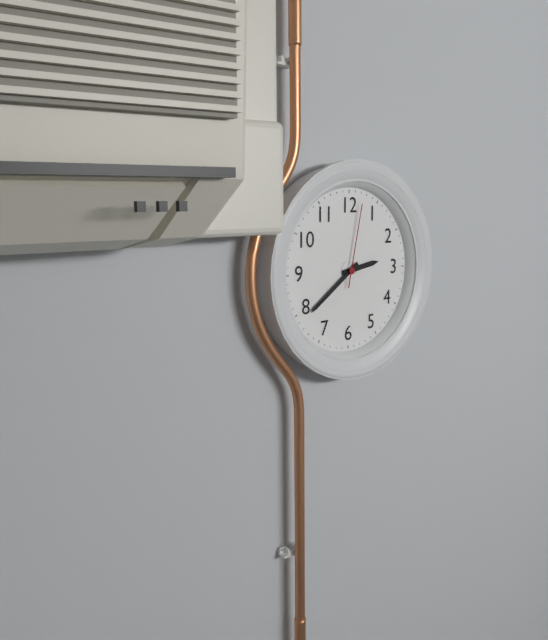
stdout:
{"hour": 2, "minute": 39, "second": 2}
